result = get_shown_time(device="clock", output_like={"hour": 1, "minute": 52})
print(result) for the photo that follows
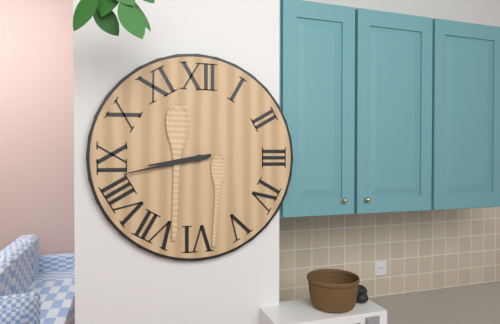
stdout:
{"hour": 8, "minute": 43}
